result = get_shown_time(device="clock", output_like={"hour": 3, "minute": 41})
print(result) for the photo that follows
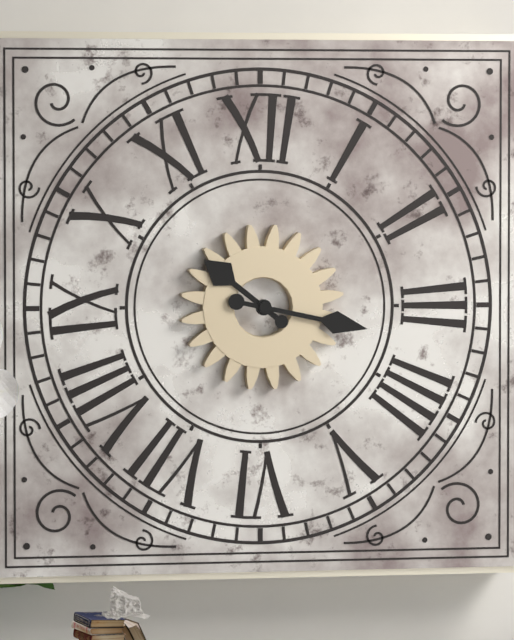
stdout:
{"hour": 10, "minute": 17}
